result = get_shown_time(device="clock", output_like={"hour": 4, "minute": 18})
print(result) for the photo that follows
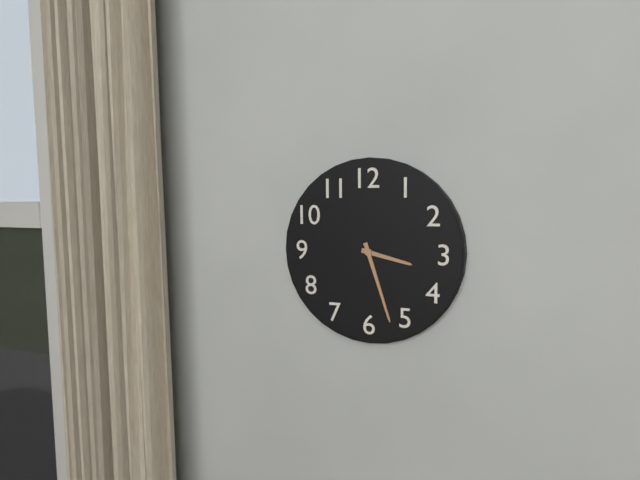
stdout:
{"hour": 3, "minute": 27}
